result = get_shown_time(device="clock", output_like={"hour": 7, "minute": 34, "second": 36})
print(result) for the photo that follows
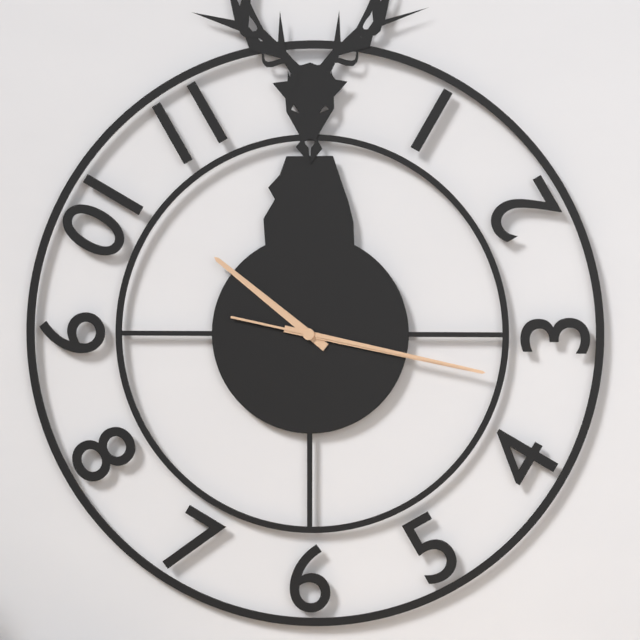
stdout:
{"hour": 10, "minute": 17, "second": 17}
